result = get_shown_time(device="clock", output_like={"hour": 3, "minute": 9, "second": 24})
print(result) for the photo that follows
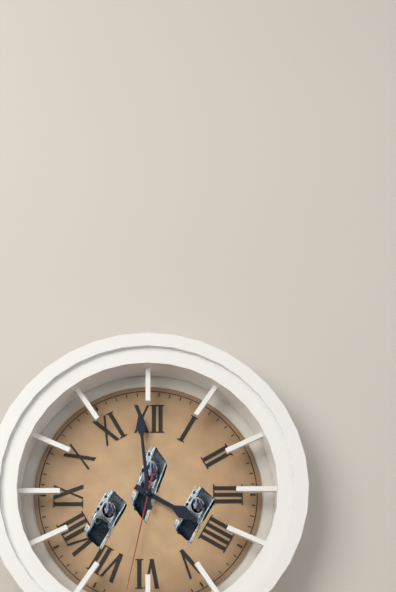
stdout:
{"hour": 3, "minute": 59, "second": 32}
